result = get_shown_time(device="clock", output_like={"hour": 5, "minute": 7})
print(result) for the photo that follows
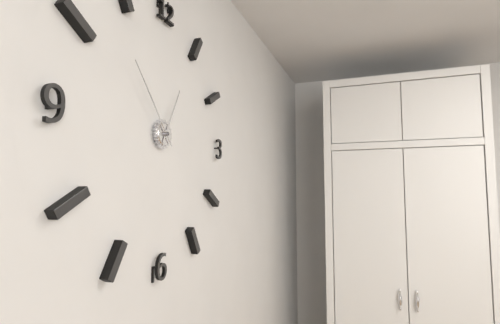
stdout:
{"hour": 12, "minute": 53}
